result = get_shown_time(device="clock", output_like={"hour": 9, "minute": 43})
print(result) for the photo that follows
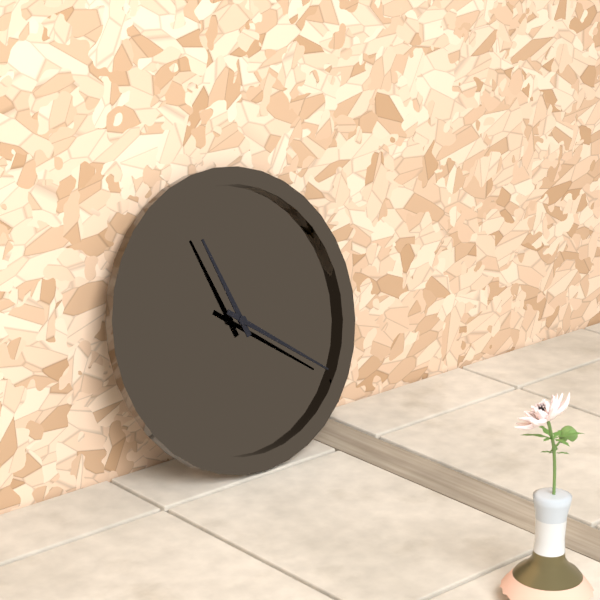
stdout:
{"hour": 11, "minute": 21}
